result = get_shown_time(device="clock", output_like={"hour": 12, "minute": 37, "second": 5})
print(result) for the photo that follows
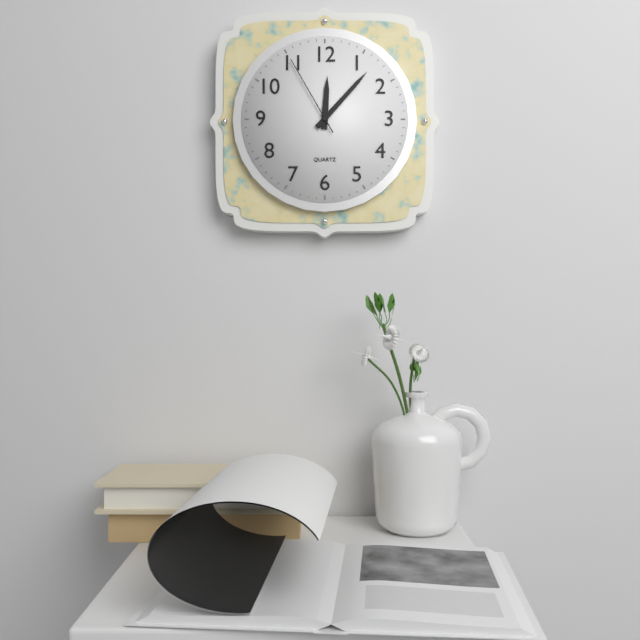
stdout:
{"hour": 12, "minute": 7, "second": 55}
